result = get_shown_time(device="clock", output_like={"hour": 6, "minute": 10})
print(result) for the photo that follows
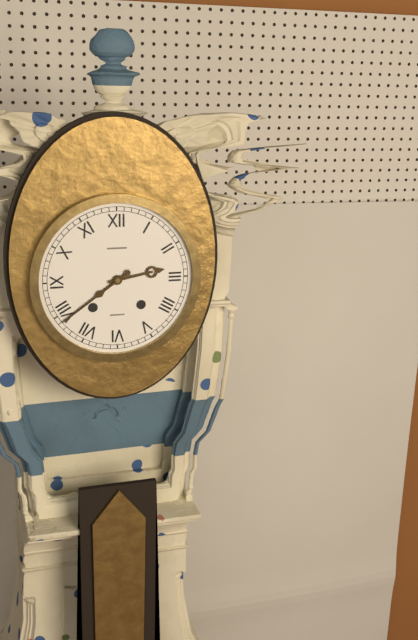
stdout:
{"hour": 2, "minute": 39}
